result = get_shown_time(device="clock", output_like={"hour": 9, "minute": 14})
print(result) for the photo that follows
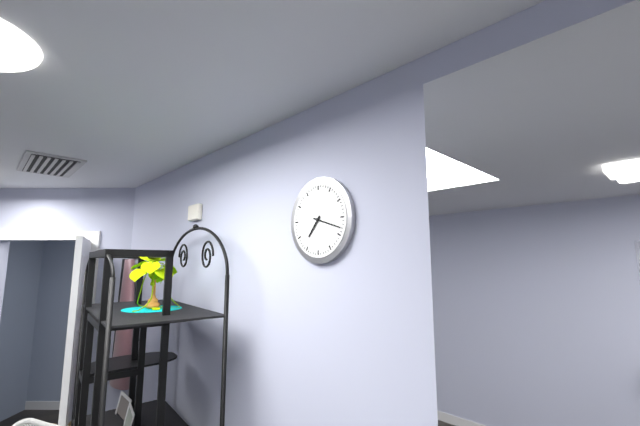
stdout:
{"hour": 7, "minute": 18}
